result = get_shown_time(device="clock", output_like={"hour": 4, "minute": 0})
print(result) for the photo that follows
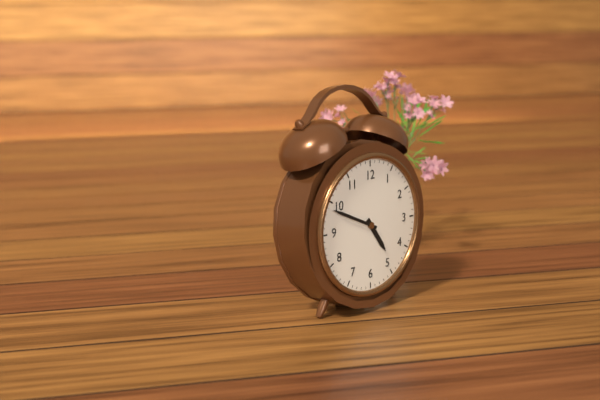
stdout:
{"hour": 4, "minute": 49}
